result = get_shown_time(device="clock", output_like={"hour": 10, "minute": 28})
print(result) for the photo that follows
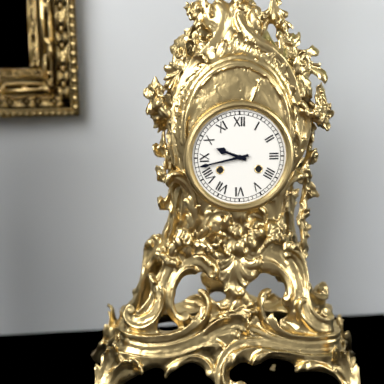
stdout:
{"hour": 9, "minute": 43}
